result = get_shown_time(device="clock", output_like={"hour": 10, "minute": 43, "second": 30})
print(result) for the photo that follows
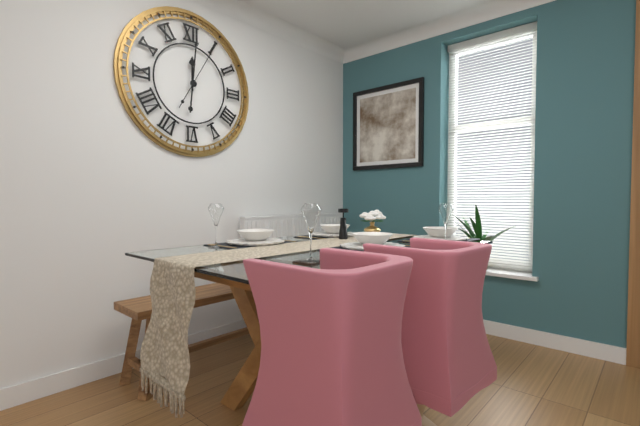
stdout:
{"hour": 12, "minute": 1, "second": 5}
